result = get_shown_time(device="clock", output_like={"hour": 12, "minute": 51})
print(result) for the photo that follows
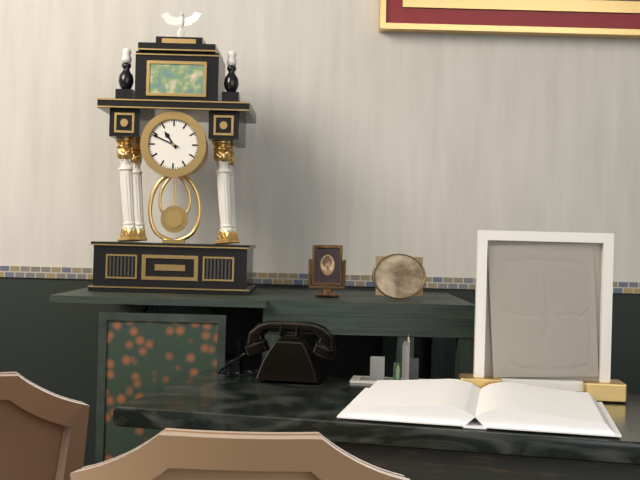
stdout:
{"hour": 10, "minute": 49}
